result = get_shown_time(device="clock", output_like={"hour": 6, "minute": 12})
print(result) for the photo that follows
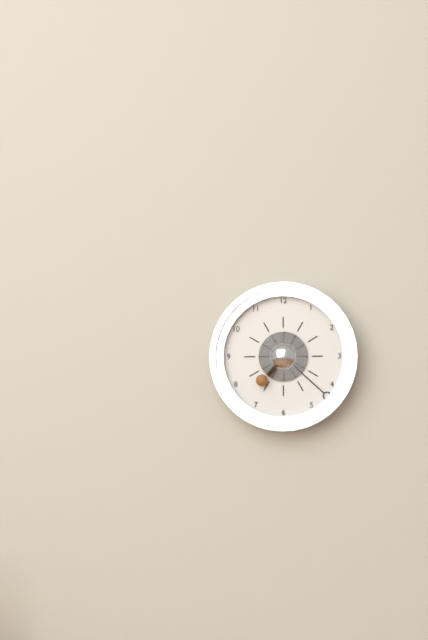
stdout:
{"hour": 7, "minute": 22}
